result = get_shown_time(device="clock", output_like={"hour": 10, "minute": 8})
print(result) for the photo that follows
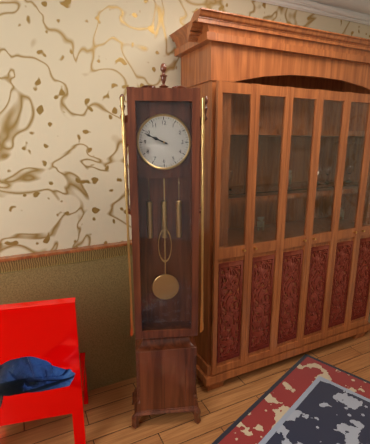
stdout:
{"hour": 9, "minute": 49}
